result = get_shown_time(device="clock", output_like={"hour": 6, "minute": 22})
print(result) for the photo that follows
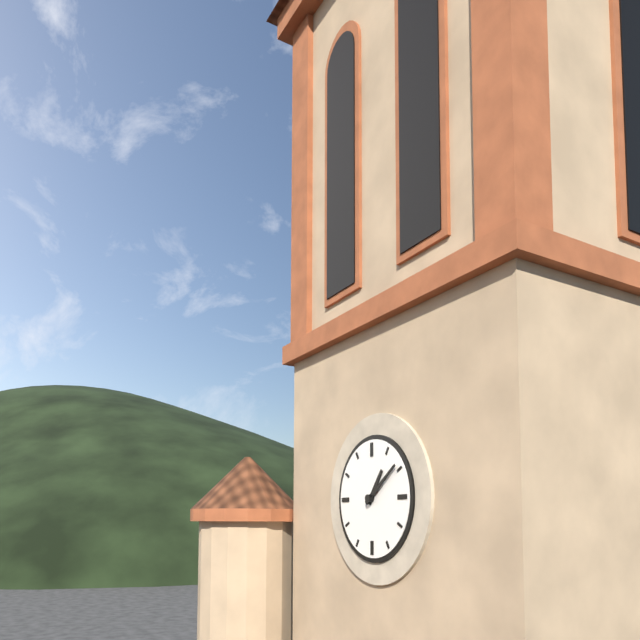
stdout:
{"hour": 1, "minute": 9}
